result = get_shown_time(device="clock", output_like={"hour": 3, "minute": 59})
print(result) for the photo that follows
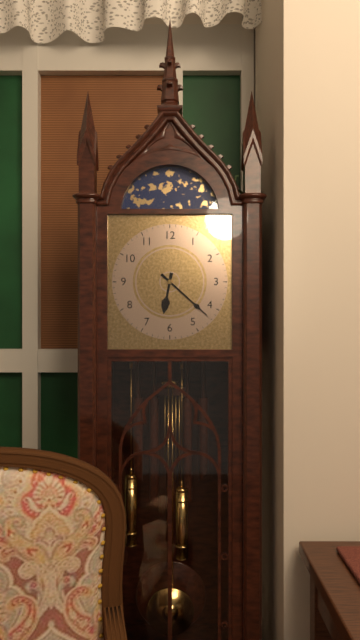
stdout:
{"hour": 6, "minute": 22}
